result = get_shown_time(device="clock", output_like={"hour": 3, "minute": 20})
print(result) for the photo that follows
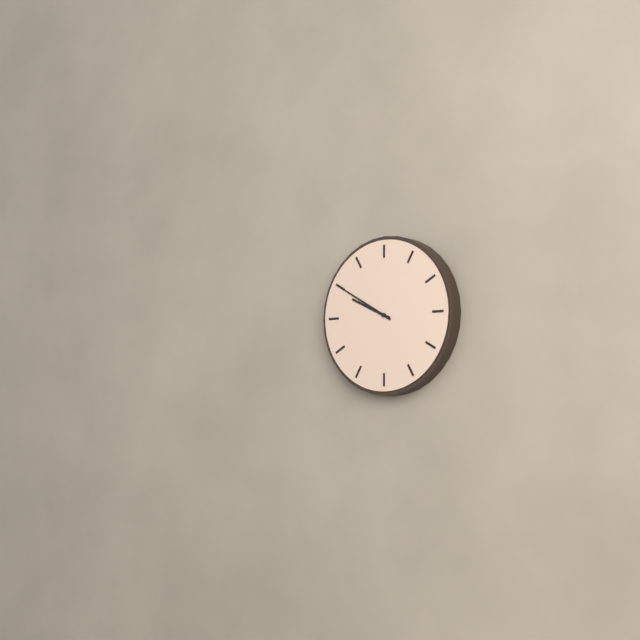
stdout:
{"hour": 9, "minute": 50}
